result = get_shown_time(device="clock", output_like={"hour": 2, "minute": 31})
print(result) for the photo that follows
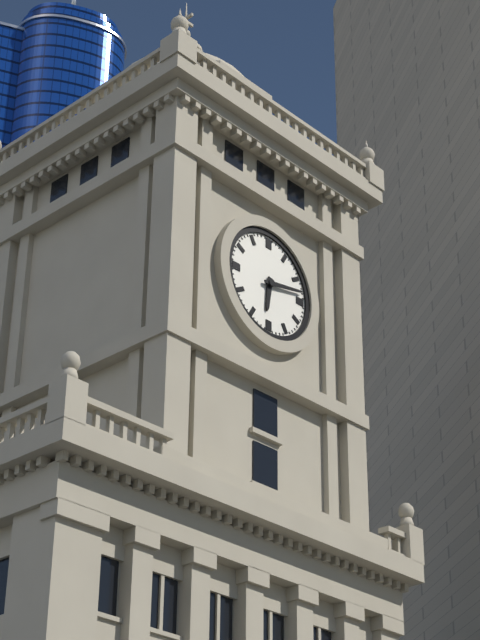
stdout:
{"hour": 6, "minute": 13}
